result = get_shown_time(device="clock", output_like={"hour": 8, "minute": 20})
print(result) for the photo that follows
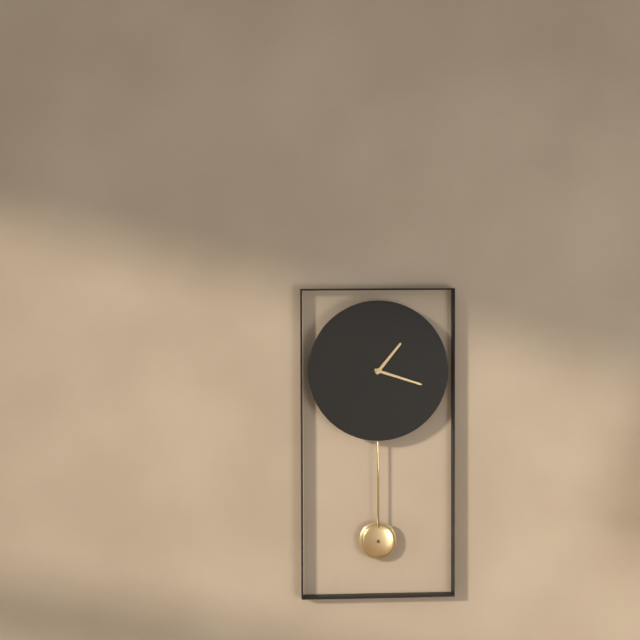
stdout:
{"hour": 1, "minute": 18}
